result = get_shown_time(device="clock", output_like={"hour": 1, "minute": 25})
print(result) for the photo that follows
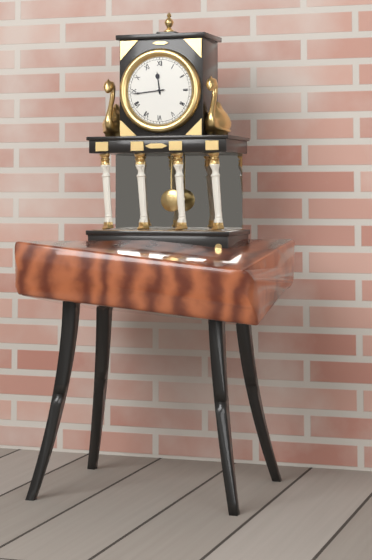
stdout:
{"hour": 11, "minute": 44}
